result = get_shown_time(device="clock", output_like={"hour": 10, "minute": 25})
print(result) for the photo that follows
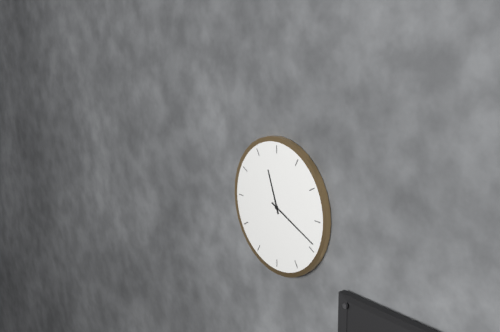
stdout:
{"hour": 11, "minute": 19}
